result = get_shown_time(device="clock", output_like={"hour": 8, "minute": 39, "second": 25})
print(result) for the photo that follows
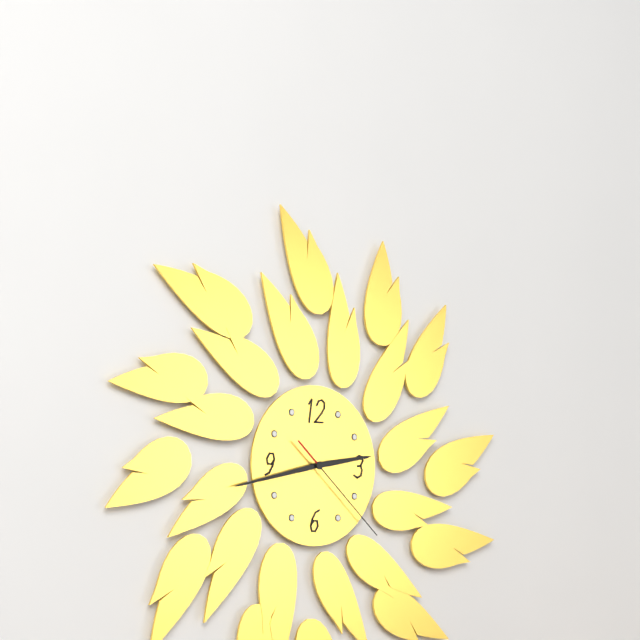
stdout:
{"hour": 2, "minute": 43, "second": 22}
